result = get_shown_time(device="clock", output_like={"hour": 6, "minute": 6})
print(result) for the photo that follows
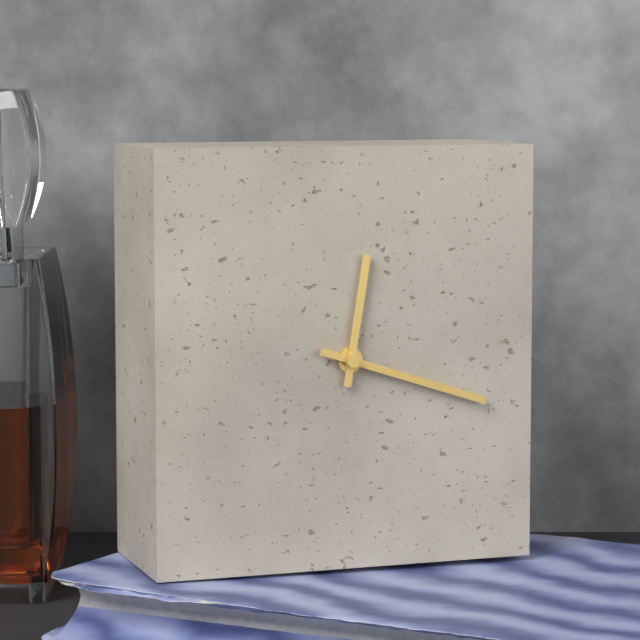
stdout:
{"hour": 12, "minute": 18}
